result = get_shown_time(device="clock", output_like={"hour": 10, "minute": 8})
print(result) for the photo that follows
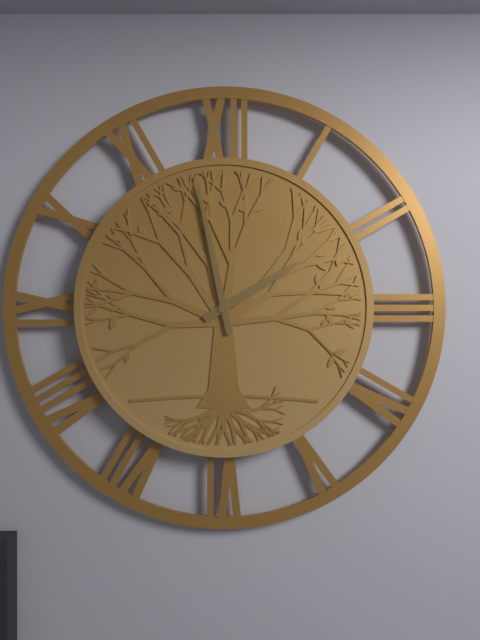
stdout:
{"hour": 1, "minute": 58}
